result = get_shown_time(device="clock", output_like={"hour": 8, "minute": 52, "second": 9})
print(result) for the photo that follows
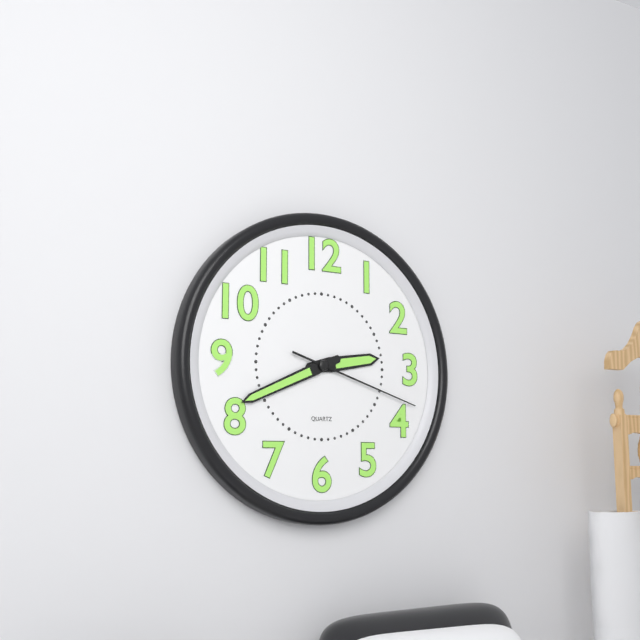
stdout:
{"hour": 2, "minute": 41, "second": 18}
